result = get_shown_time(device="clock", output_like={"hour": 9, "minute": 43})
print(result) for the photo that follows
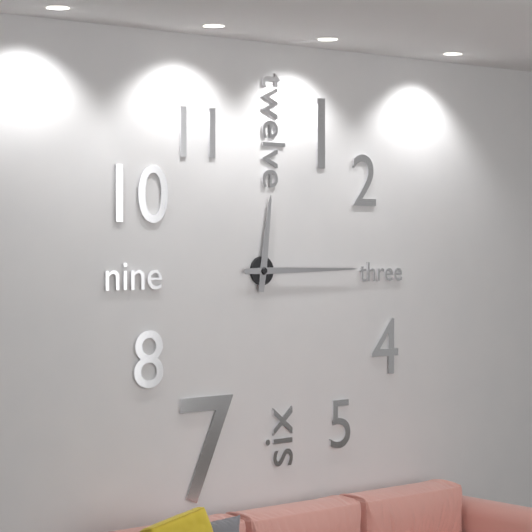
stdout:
{"hour": 12, "minute": 15}
